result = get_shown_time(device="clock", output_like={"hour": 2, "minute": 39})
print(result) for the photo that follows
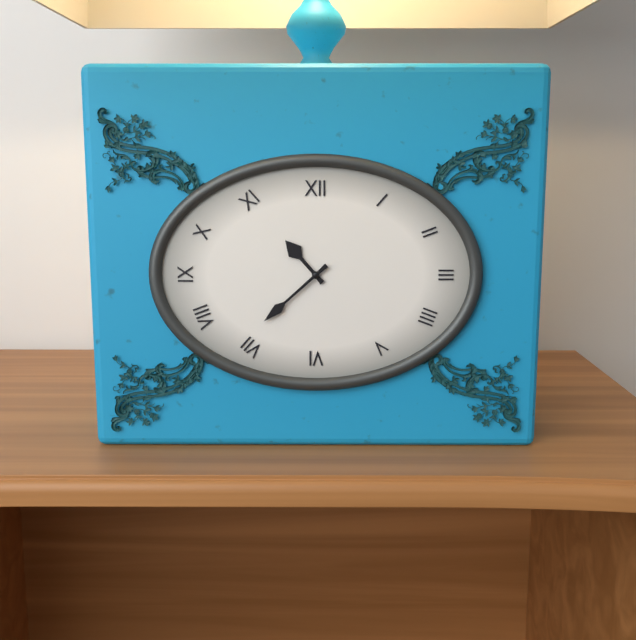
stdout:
{"hour": 10, "minute": 38}
